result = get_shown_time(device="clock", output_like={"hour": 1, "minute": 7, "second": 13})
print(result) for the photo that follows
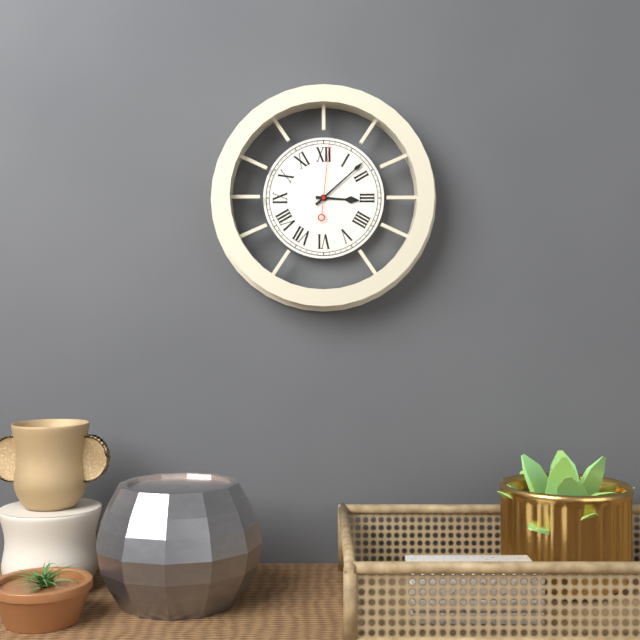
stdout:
{"hour": 3, "minute": 8, "second": 1}
